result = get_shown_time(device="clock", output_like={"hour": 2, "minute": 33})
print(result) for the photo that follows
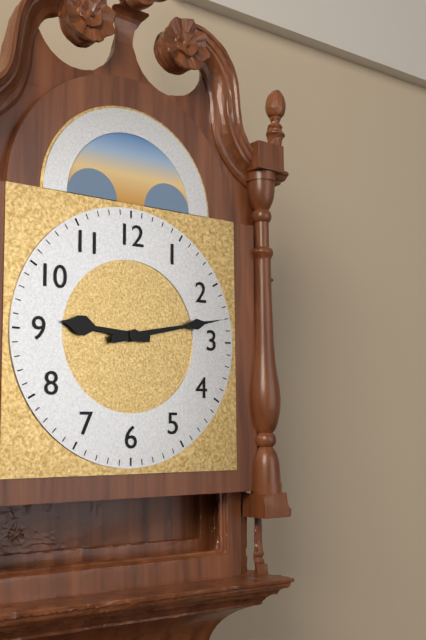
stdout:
{"hour": 9, "minute": 13}
